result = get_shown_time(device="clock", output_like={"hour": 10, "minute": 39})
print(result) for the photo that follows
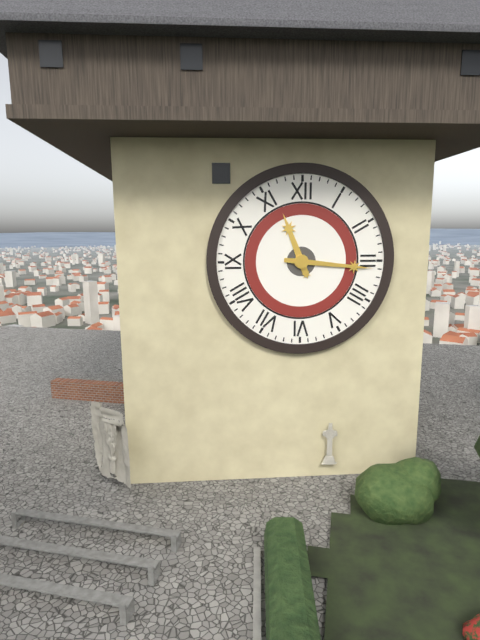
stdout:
{"hour": 11, "minute": 16}
